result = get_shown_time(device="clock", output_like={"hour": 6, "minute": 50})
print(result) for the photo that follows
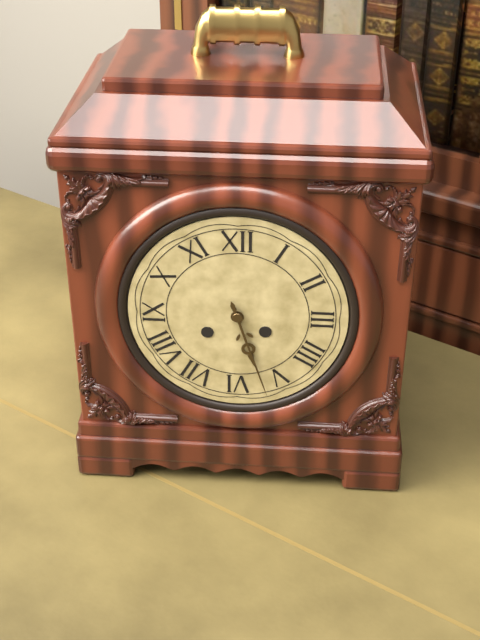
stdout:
{"hour": 5, "minute": 27}
